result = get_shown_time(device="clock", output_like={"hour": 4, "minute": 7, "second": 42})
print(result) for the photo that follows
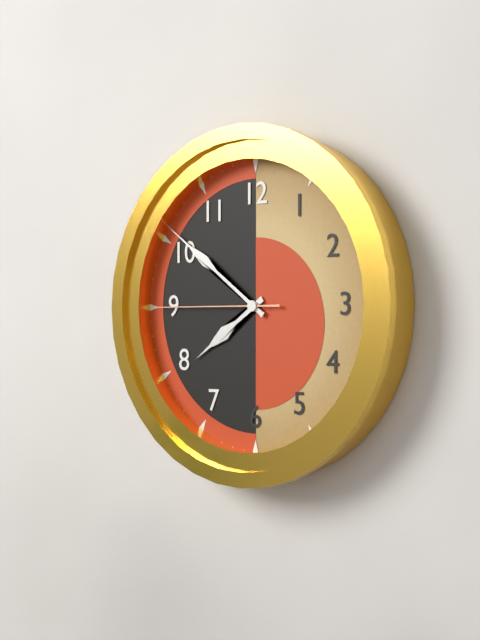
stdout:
{"hour": 7, "minute": 51, "second": 45}
